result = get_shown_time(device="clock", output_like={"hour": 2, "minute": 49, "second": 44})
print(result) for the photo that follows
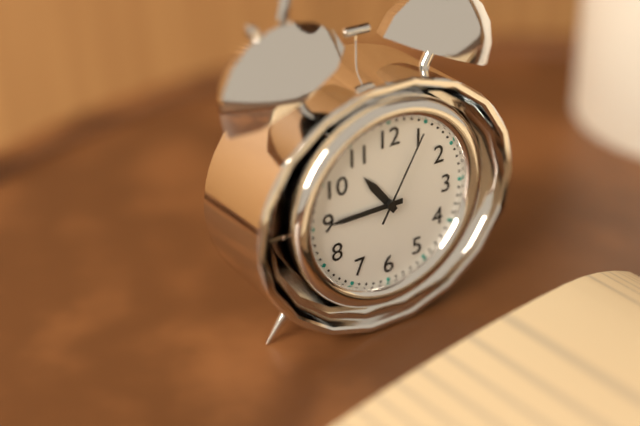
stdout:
{"hour": 10, "minute": 45, "second": 5}
